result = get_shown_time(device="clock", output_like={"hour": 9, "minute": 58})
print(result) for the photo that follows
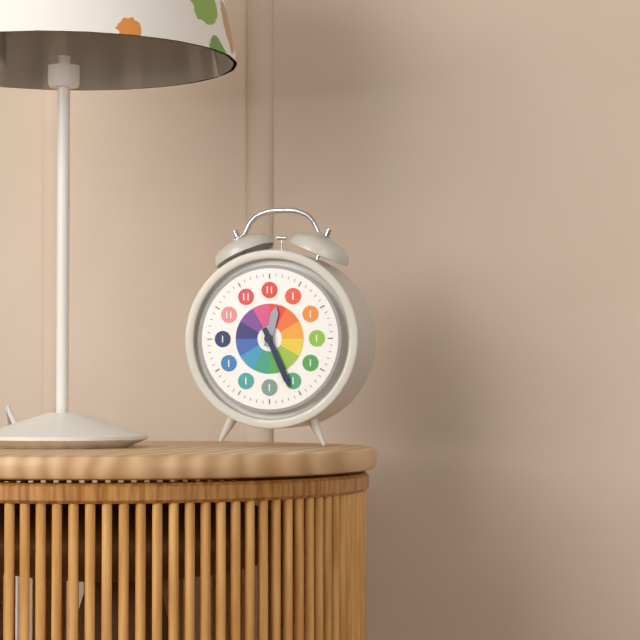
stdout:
{"hour": 12, "minute": 26}
